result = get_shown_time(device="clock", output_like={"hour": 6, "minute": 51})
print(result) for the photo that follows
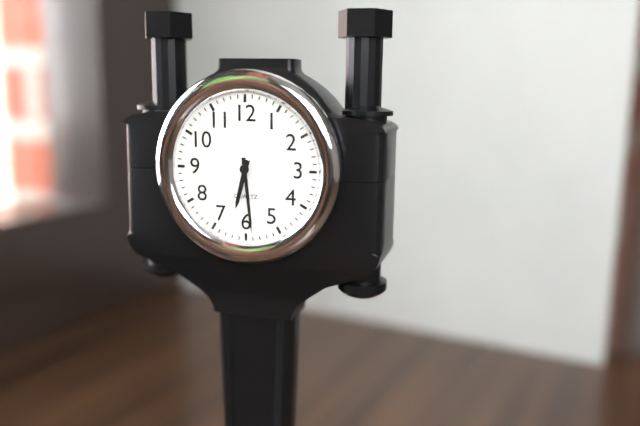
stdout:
{"hour": 6, "minute": 29}
